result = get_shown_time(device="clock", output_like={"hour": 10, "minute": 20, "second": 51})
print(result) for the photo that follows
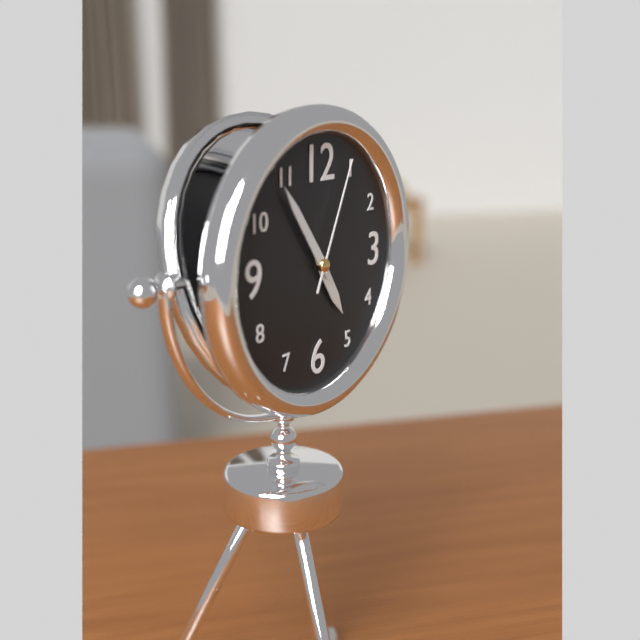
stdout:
{"hour": 4, "minute": 54, "second": 4}
